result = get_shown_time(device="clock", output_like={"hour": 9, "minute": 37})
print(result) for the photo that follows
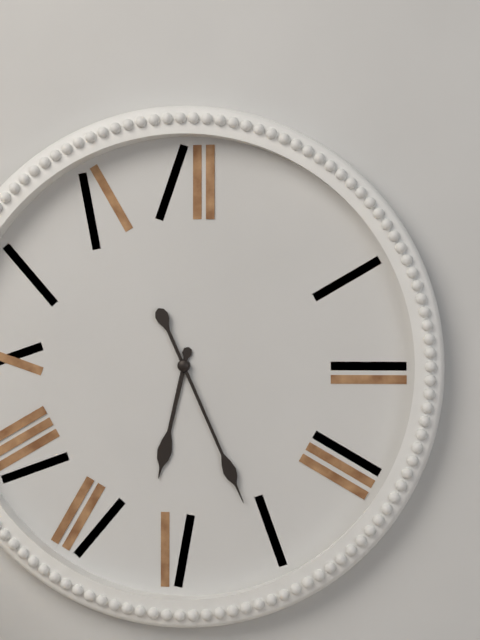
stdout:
{"hour": 6, "minute": 26}
